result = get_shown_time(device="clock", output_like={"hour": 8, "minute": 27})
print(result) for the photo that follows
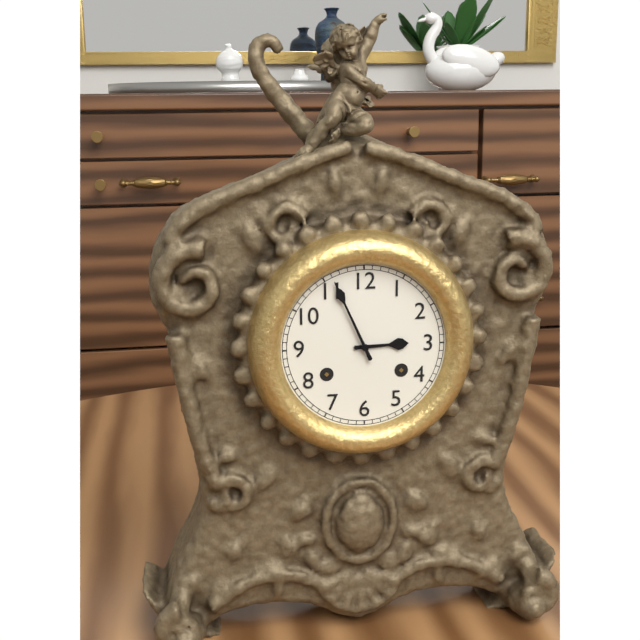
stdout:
{"hour": 2, "minute": 56}
